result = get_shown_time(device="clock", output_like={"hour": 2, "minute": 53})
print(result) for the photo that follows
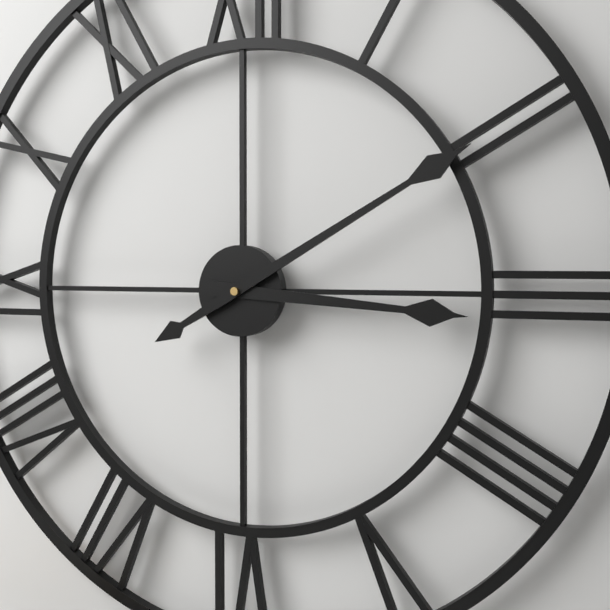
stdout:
{"hour": 3, "minute": 10}
